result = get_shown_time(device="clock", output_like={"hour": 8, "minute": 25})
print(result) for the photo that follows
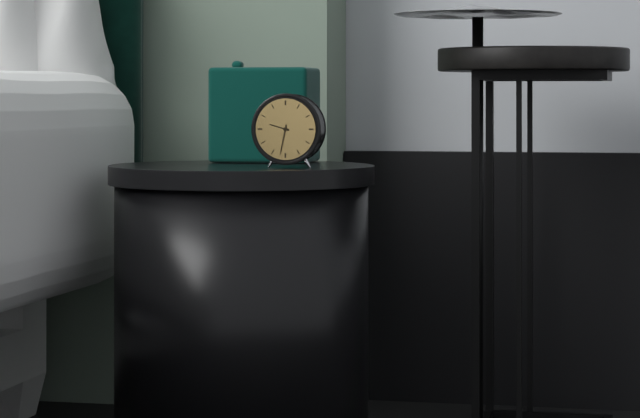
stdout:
{"hour": 9, "minute": 32}
